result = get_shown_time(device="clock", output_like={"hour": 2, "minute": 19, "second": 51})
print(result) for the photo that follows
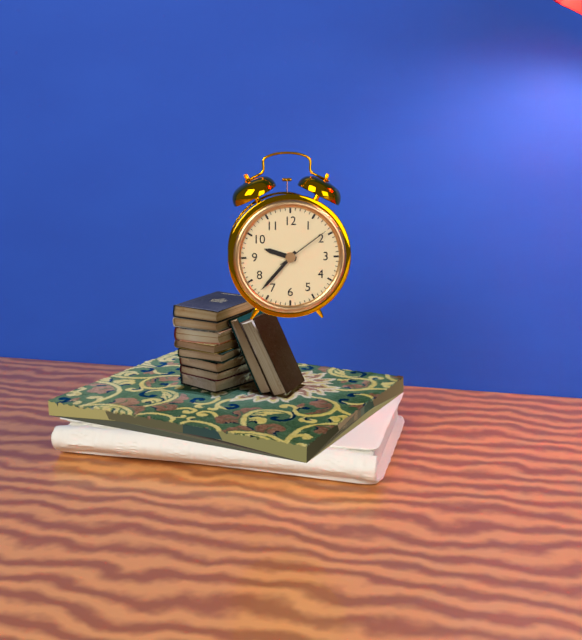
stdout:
{"hour": 9, "minute": 37, "second": 9}
